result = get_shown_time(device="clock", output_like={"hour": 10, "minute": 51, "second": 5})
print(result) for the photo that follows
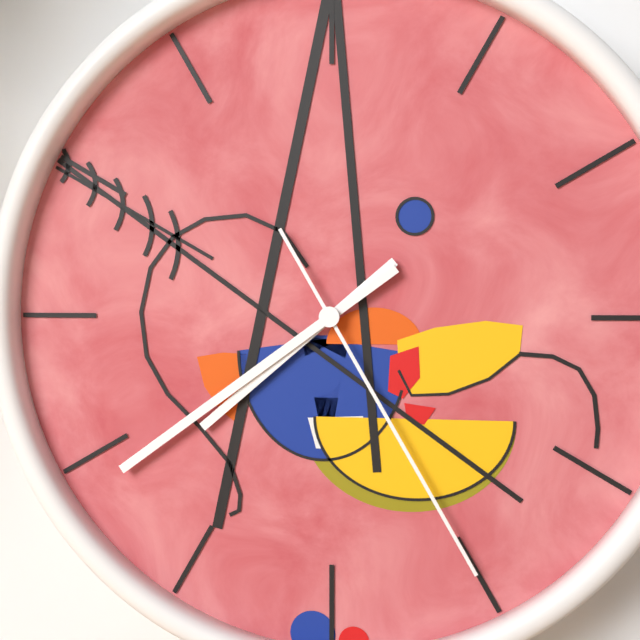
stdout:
{"hour": 7, "minute": 39, "second": 25}
